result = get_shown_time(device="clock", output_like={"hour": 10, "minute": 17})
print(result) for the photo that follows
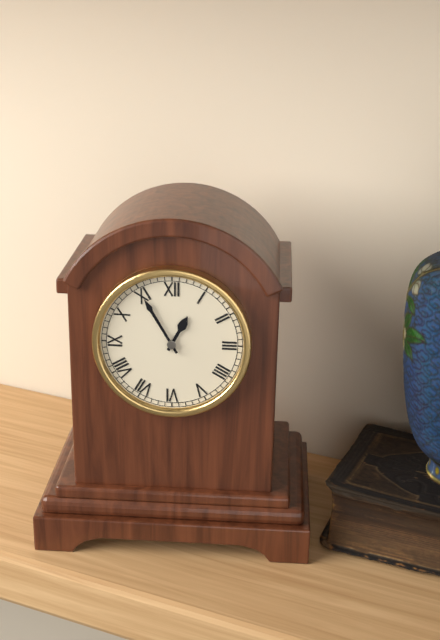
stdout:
{"hour": 12, "minute": 55}
